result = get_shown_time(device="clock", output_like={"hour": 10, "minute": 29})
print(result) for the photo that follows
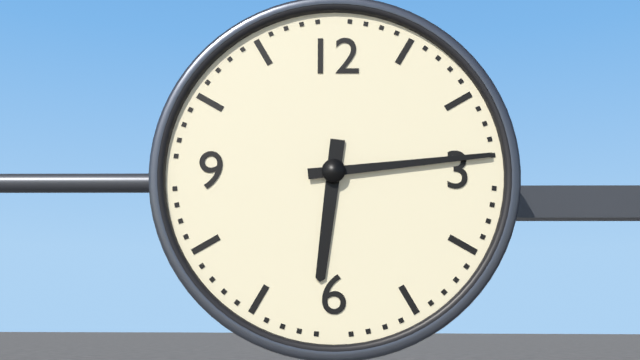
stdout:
{"hour": 6, "minute": 14}
